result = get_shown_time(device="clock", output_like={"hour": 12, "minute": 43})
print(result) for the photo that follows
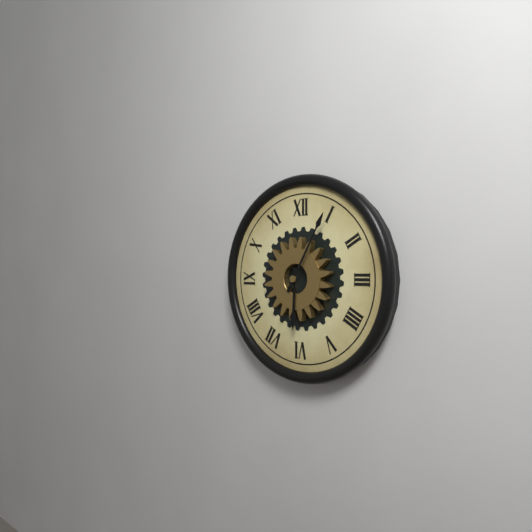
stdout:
{"hour": 6, "minute": 5}
